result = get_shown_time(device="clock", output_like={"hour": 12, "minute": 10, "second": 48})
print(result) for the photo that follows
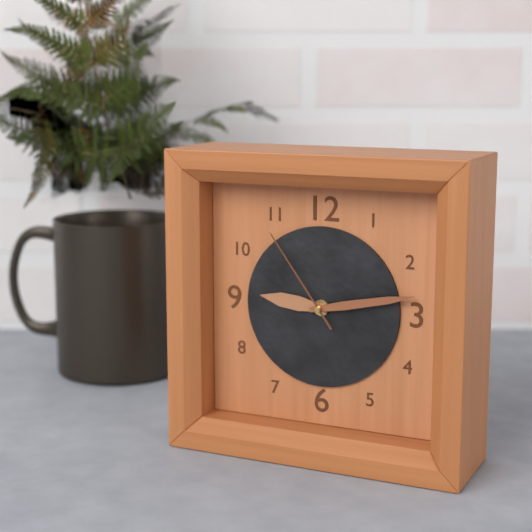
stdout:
{"hour": 9, "minute": 13, "second": 54}
